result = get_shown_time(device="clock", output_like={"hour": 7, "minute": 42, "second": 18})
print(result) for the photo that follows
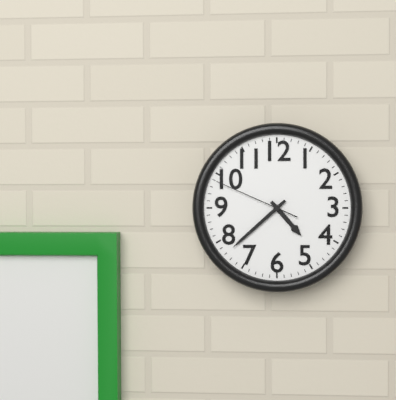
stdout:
{"hour": 4, "minute": 38, "second": 49}
